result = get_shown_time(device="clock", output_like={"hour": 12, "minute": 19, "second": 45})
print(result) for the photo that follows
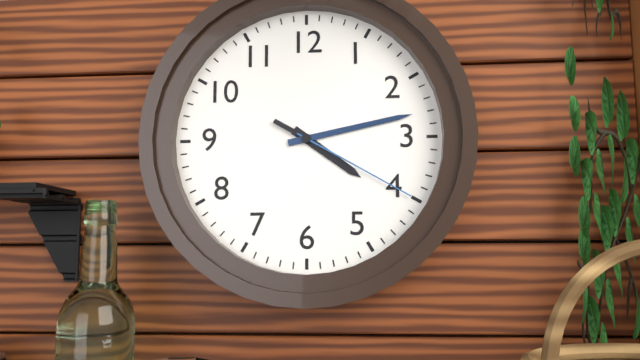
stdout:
{"hour": 4, "minute": 13, "second": 20}
